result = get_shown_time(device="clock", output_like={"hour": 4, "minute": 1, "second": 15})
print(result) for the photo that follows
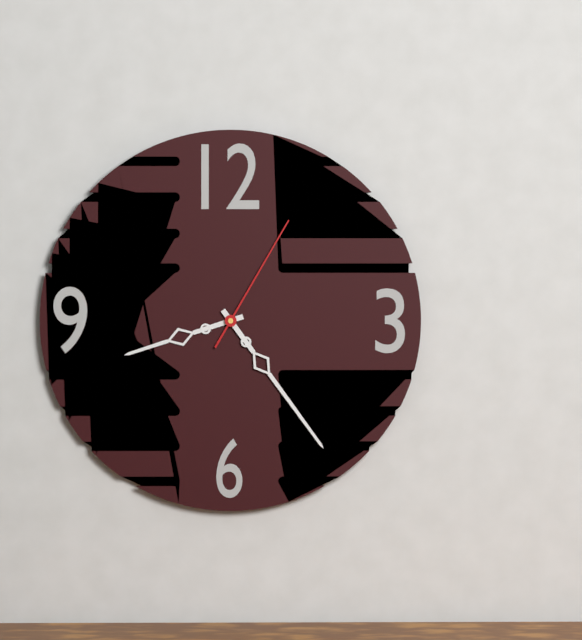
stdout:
{"hour": 8, "minute": 24, "second": 5}
